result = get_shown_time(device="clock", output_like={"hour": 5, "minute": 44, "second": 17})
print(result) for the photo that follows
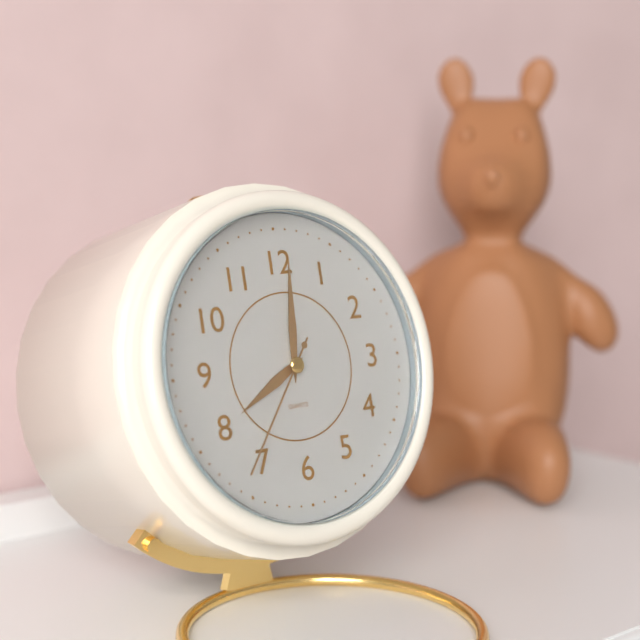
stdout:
{"hour": 8, "minute": 1, "second": 36}
